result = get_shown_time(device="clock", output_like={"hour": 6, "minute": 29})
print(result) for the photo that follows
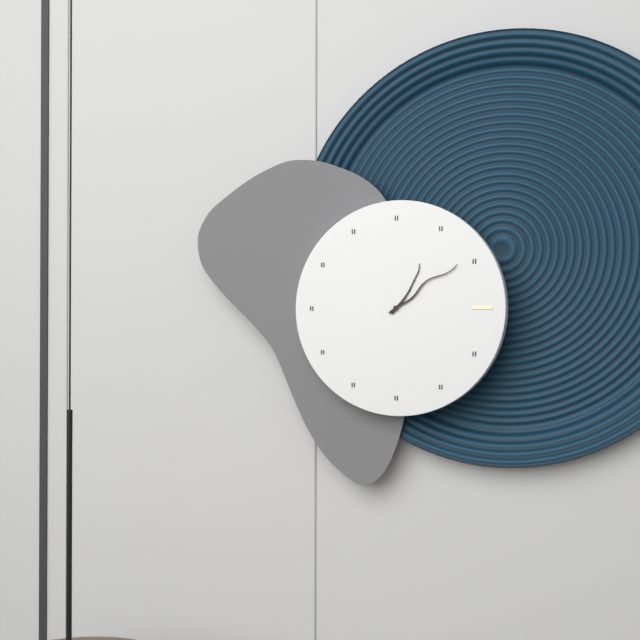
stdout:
{"hour": 1, "minute": 9}
